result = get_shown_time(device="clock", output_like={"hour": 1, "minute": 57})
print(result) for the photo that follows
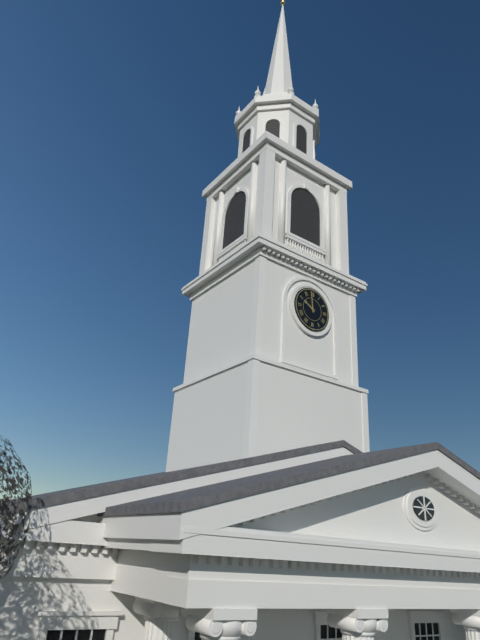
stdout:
{"hour": 9, "minute": 59}
